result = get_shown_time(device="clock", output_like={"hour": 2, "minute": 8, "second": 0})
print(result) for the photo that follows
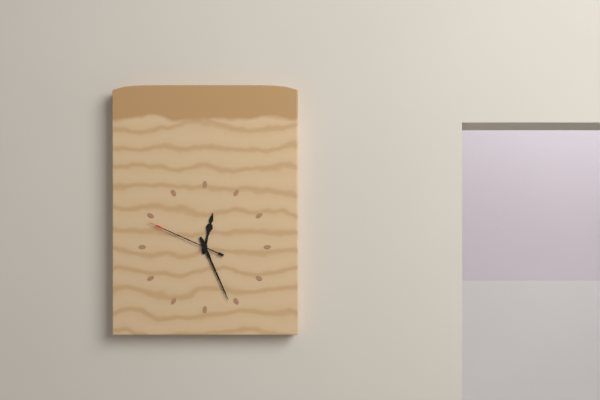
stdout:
{"hour": 12, "minute": 26, "second": 49}
